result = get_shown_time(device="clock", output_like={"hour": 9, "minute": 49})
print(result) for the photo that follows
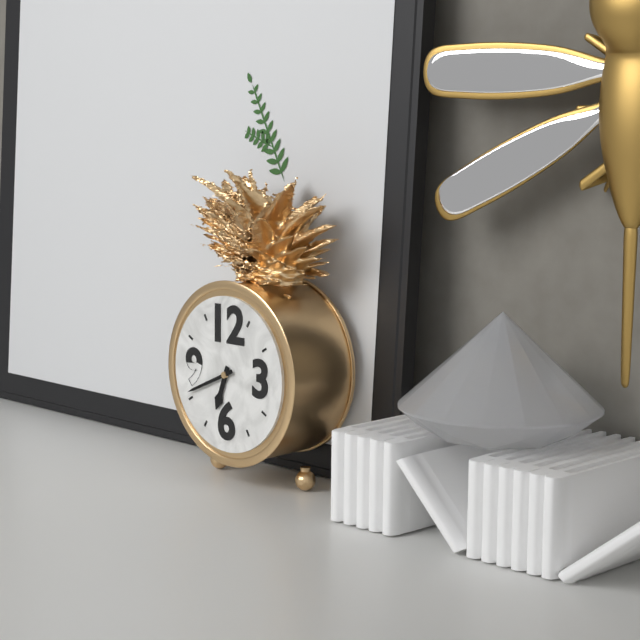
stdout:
{"hour": 6, "minute": 41}
